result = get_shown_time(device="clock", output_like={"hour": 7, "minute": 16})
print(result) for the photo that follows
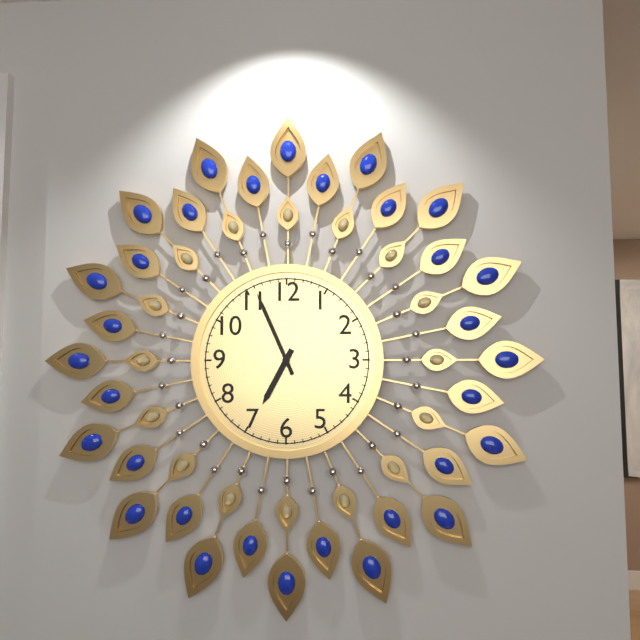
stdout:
{"hour": 6, "minute": 56}
